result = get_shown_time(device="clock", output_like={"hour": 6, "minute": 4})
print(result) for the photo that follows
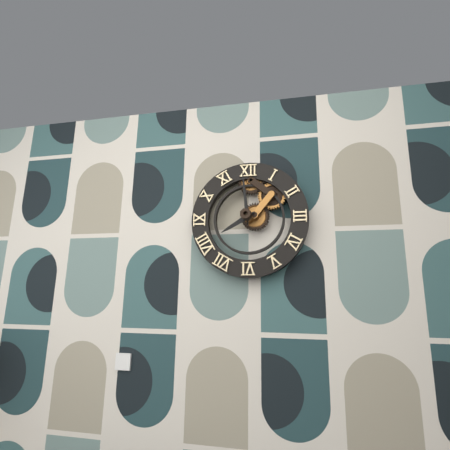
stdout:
{"hour": 7, "minute": 59}
